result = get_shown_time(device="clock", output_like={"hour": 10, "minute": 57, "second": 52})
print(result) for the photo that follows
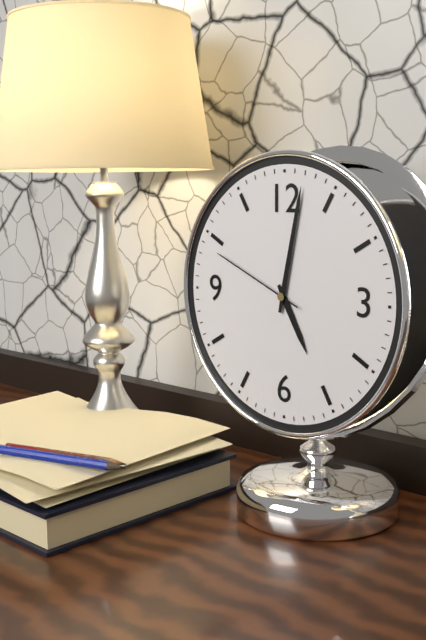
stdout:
{"hour": 5, "minute": 2, "second": 49}
